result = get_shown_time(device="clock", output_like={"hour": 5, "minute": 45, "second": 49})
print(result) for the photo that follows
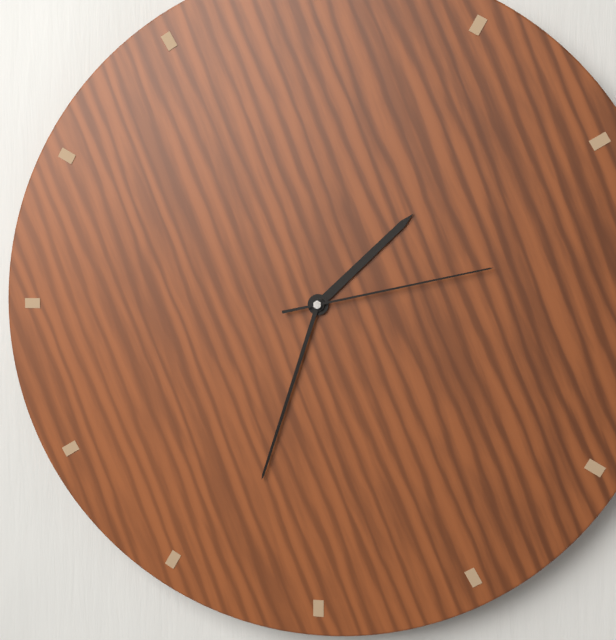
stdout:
{"hour": 1, "minute": 33, "second": 13}
